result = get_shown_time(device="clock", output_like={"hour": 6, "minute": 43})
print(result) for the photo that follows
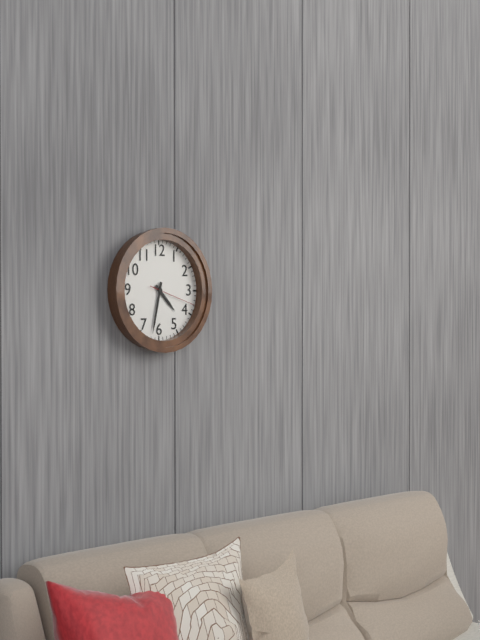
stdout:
{"hour": 4, "minute": 32}
